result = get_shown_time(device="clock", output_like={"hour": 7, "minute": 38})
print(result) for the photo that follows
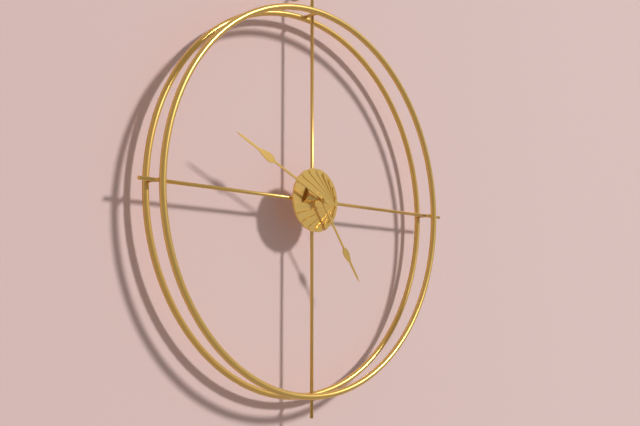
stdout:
{"hour": 4, "minute": 49}
